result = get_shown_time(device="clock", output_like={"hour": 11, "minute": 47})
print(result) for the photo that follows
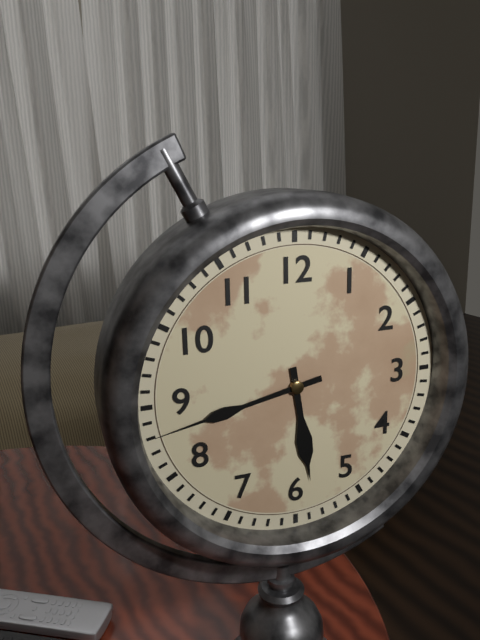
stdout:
{"hour": 5, "minute": 43}
